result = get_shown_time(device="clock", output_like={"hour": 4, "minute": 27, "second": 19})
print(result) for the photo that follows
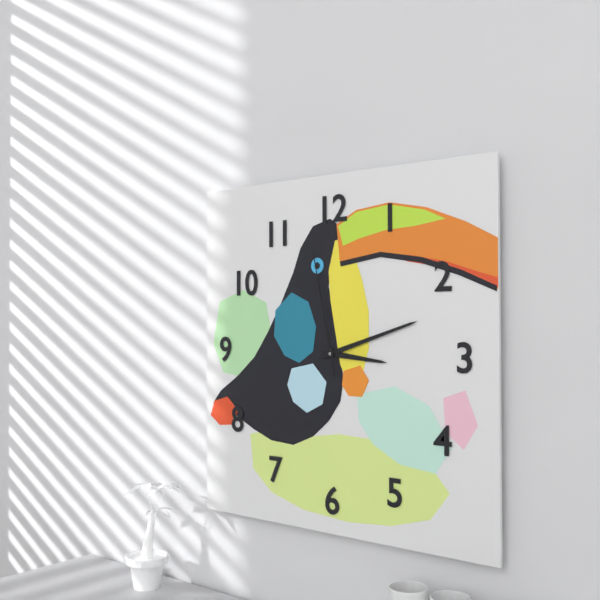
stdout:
{"hour": 3, "minute": 12, "second": 58}
